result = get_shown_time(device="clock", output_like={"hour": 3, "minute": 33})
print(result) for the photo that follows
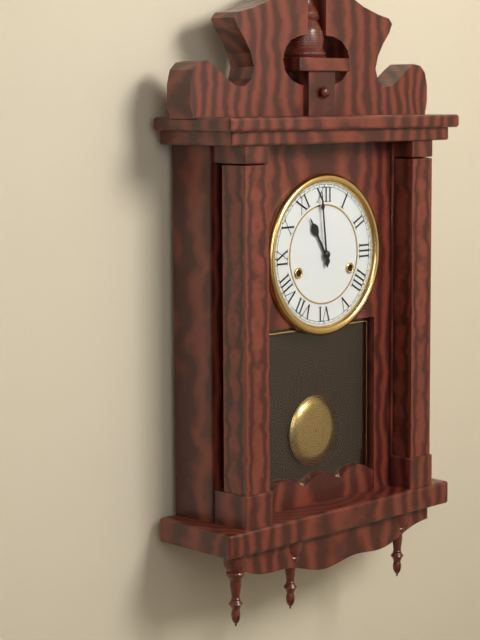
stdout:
{"hour": 10, "minute": 59}
